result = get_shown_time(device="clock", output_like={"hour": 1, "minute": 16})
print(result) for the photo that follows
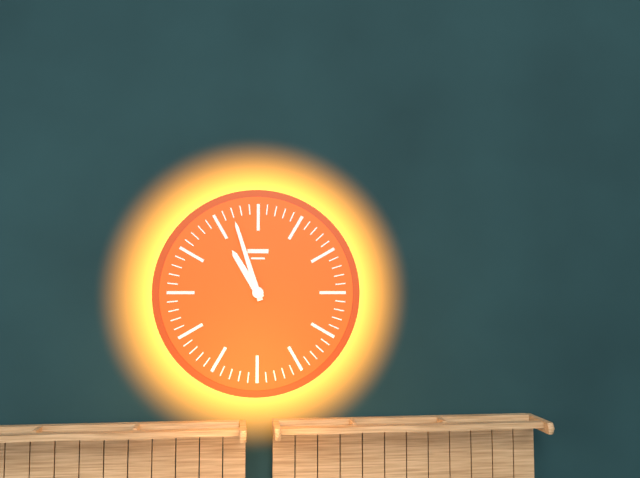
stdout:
{"hour": 10, "minute": 57}
